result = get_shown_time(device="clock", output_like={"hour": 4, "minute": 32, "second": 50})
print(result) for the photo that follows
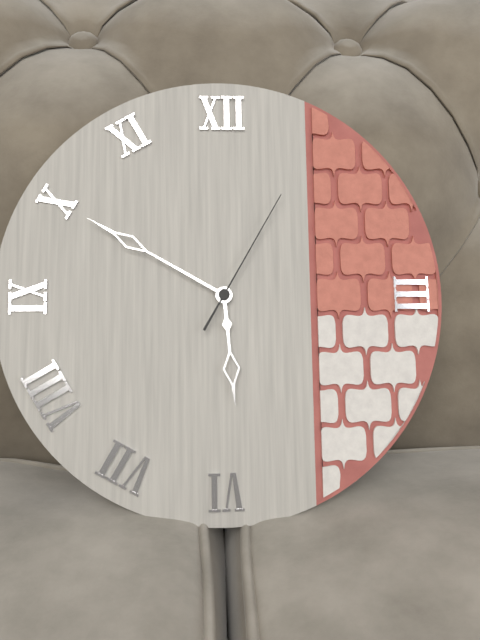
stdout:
{"hour": 5, "minute": 50, "second": 5}
